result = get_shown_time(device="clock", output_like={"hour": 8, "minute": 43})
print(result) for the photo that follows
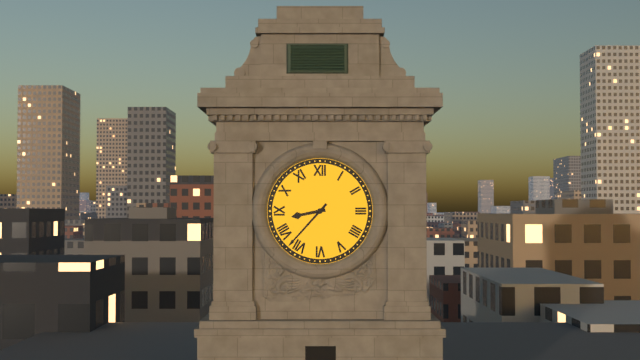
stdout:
{"hour": 8, "minute": 37}
